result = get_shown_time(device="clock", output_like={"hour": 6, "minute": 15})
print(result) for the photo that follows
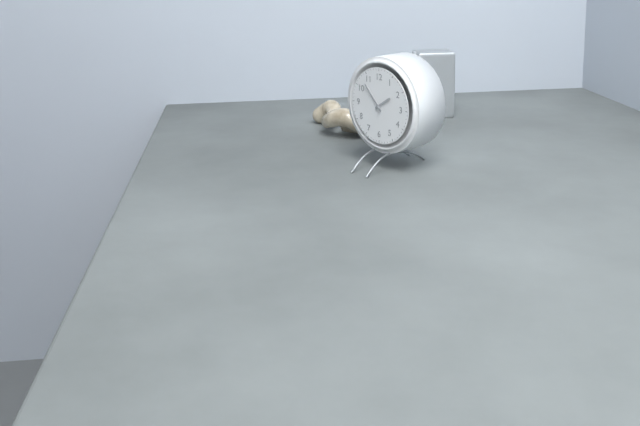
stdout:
{"hour": 1, "minute": 53}
